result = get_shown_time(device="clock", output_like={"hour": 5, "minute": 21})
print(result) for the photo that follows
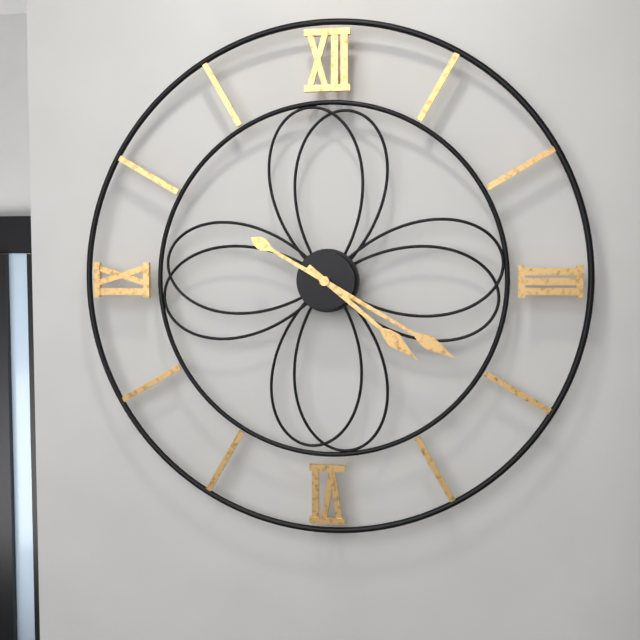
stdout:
{"hour": 4, "minute": 20}
